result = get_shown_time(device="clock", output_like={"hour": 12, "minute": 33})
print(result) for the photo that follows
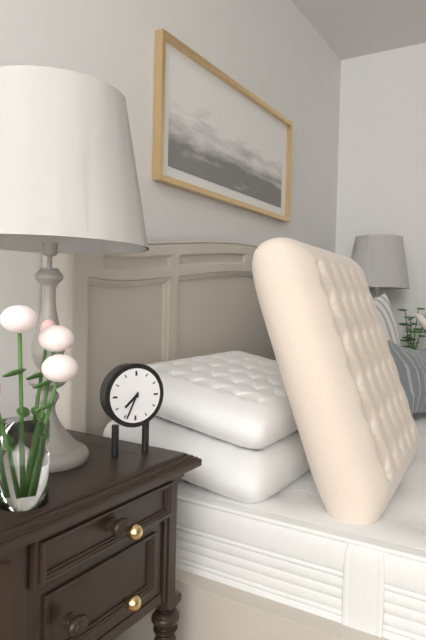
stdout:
{"hour": 7, "minute": 34}
